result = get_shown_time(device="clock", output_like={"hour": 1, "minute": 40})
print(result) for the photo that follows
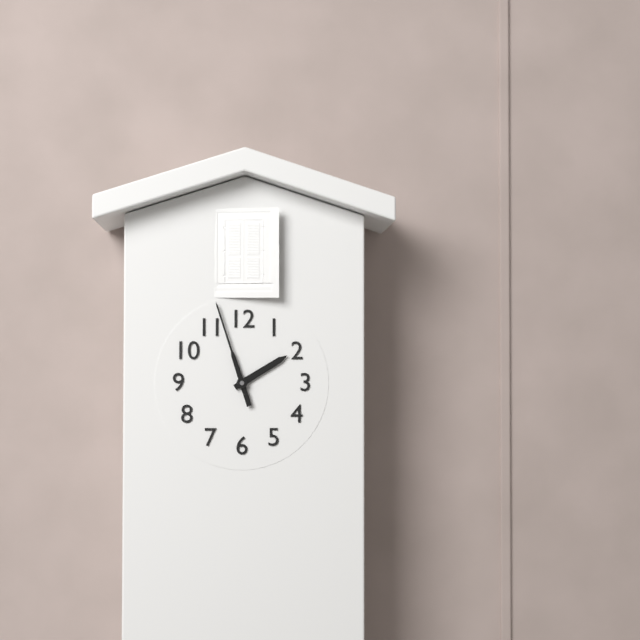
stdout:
{"hour": 1, "minute": 57}
